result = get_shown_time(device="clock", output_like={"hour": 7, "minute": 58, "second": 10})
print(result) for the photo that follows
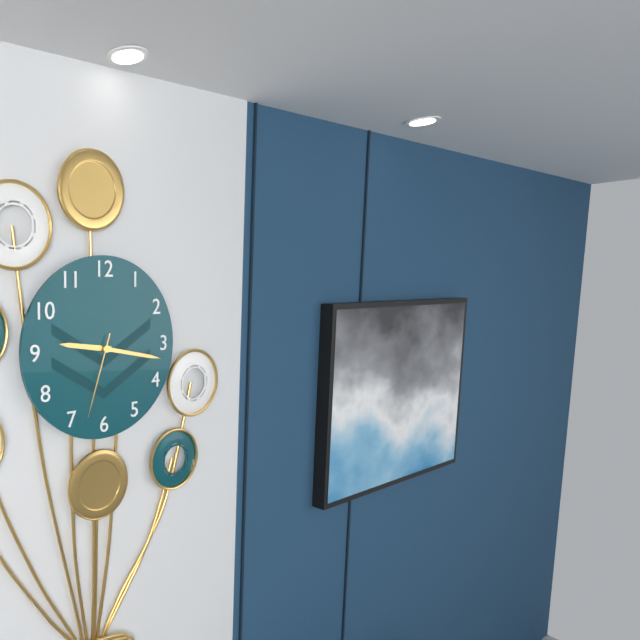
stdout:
{"hour": 9, "minute": 17, "second": 33}
